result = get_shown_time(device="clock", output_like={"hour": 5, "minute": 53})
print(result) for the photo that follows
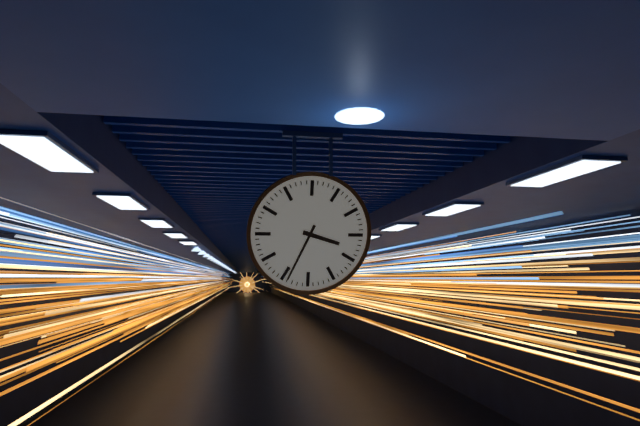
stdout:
{"hour": 3, "minute": 34}
